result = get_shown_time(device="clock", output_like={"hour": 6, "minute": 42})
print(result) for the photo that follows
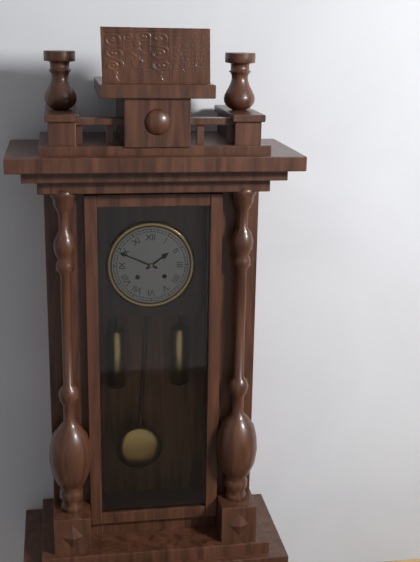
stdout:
{"hour": 1, "minute": 49}
